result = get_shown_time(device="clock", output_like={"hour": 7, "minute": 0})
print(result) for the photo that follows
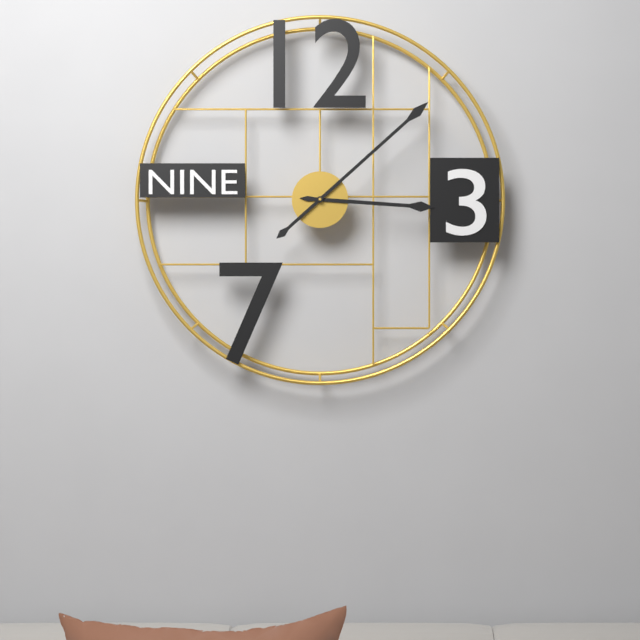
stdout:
{"hour": 3, "minute": 8}
